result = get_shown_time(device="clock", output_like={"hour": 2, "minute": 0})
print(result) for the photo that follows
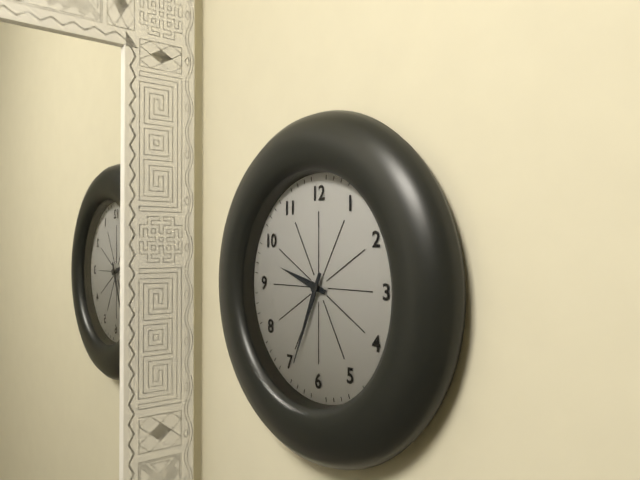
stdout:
{"hour": 9, "minute": 34}
